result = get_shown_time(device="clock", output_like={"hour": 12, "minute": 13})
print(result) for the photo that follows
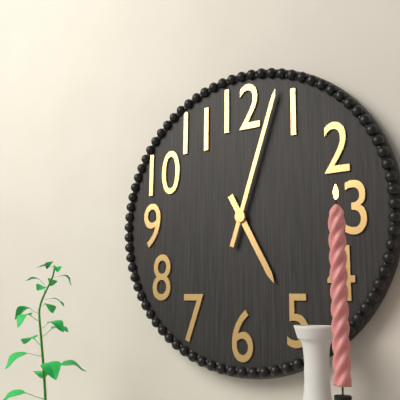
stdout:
{"hour": 5, "minute": 3}
